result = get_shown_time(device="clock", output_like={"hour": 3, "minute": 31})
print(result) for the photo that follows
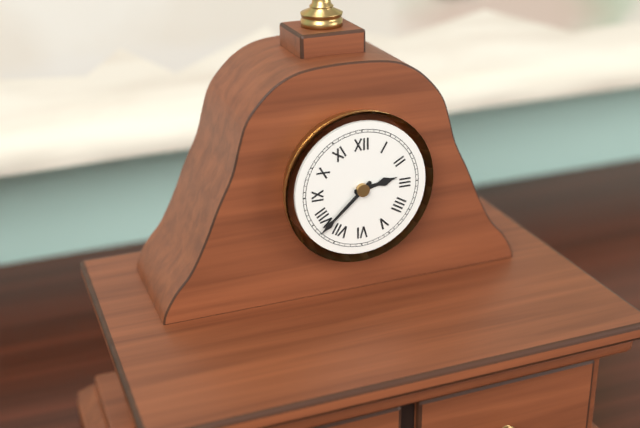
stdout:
{"hour": 2, "minute": 38}
